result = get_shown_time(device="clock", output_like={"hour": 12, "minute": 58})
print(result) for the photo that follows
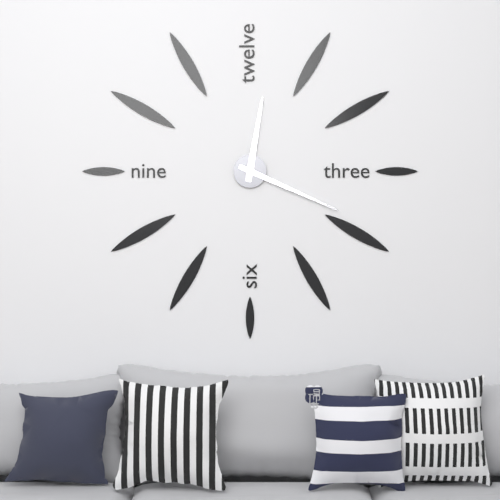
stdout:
{"hour": 12, "minute": 19}
